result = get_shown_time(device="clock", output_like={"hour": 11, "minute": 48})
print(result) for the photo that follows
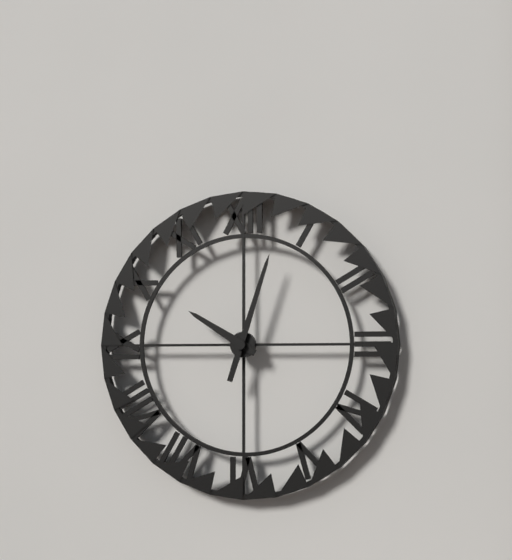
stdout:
{"hour": 10, "minute": 3}
